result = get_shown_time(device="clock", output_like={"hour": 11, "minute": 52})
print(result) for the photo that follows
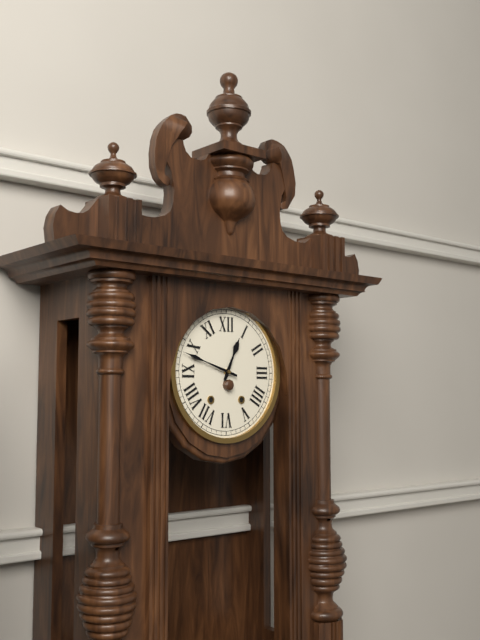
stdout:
{"hour": 12, "minute": 48}
